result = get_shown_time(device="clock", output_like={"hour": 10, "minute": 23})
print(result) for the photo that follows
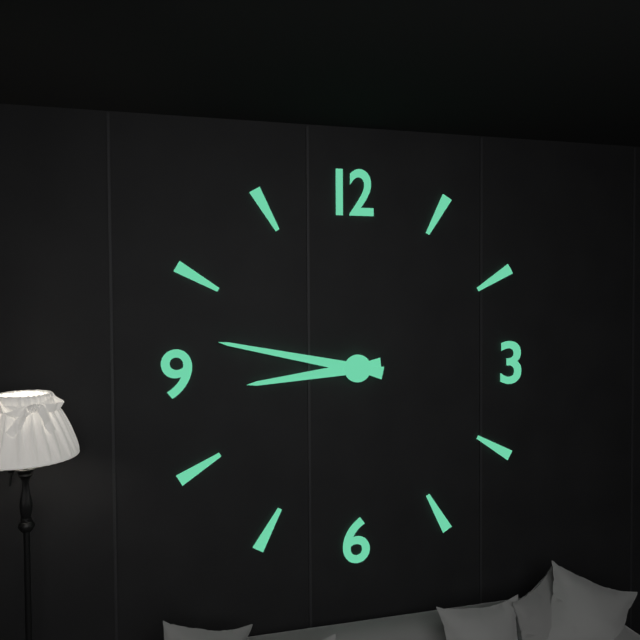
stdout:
{"hour": 8, "minute": 47}
